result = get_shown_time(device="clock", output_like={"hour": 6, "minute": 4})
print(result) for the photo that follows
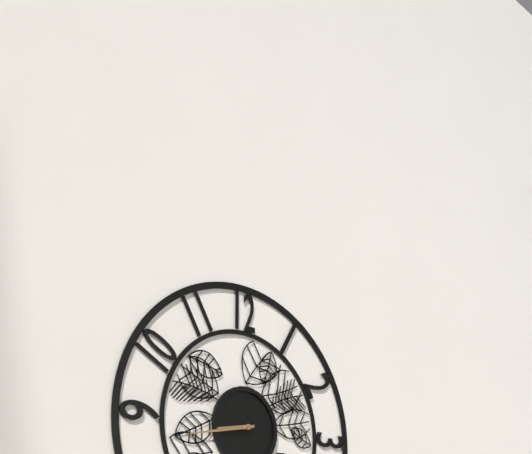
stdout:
{"hour": 8, "minute": 43}
